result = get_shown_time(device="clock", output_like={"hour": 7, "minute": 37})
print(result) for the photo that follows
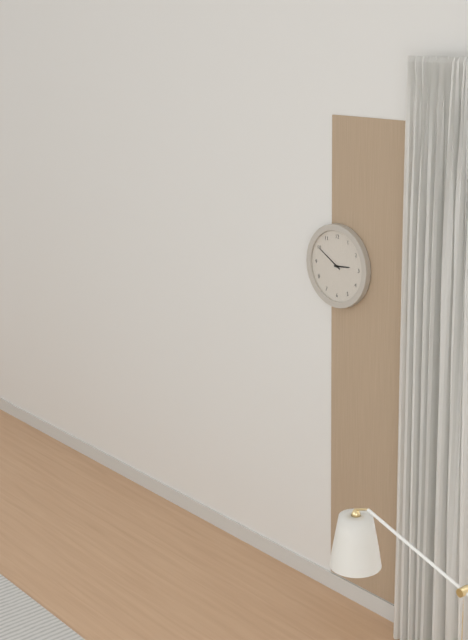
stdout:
{"hour": 2, "minute": 50}
